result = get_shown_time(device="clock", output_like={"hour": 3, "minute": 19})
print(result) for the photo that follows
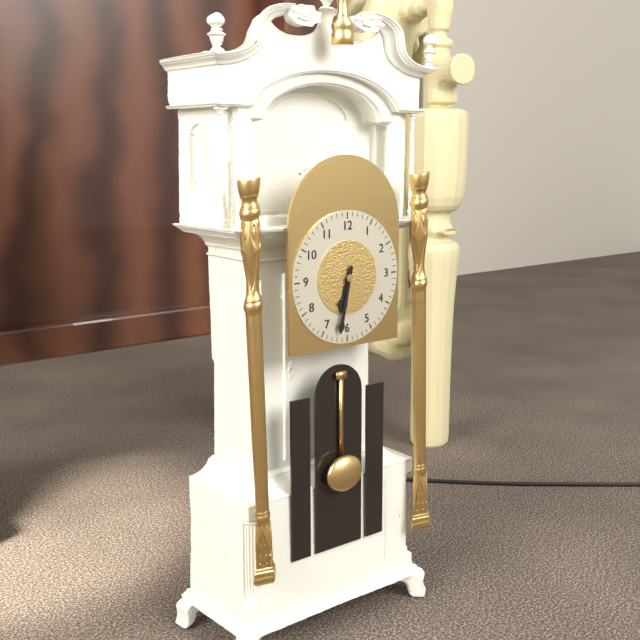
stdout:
{"hour": 6, "minute": 32}
